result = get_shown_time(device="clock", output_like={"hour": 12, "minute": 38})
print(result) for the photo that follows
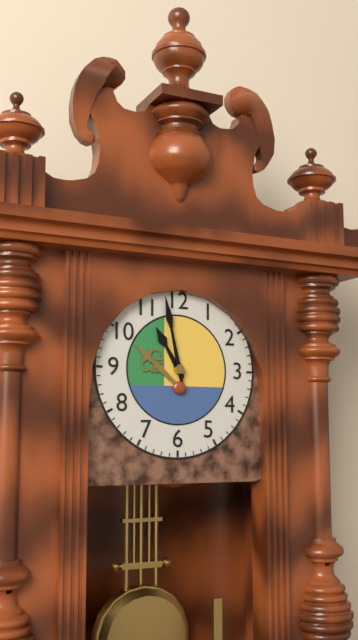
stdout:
{"hour": 10, "minute": 58}
